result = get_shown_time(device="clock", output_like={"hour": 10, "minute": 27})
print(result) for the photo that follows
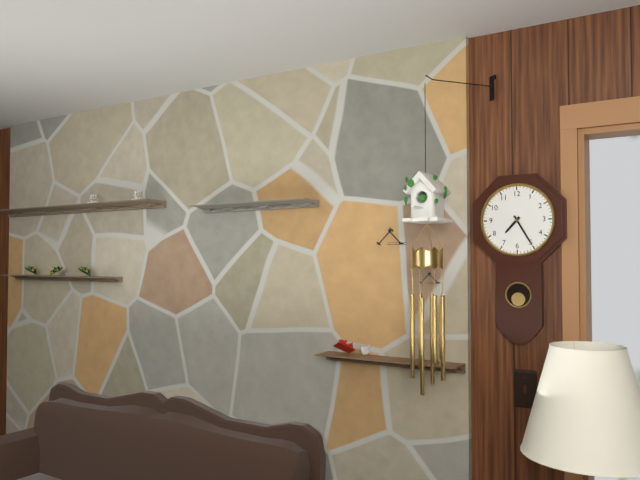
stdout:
{"hour": 7, "minute": 25}
